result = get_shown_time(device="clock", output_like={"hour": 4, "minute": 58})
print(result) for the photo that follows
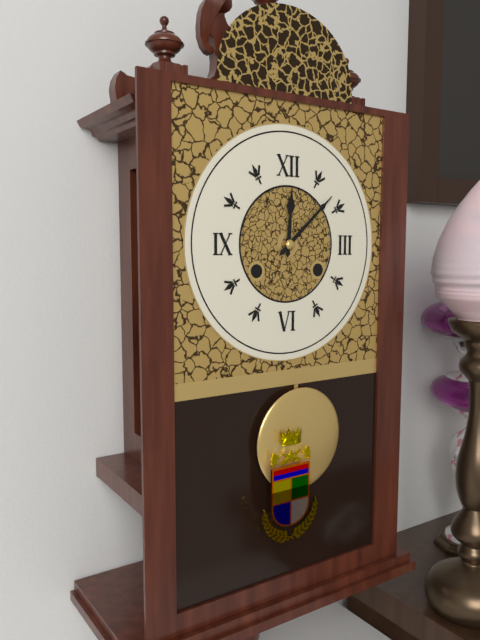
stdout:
{"hour": 12, "minute": 8}
